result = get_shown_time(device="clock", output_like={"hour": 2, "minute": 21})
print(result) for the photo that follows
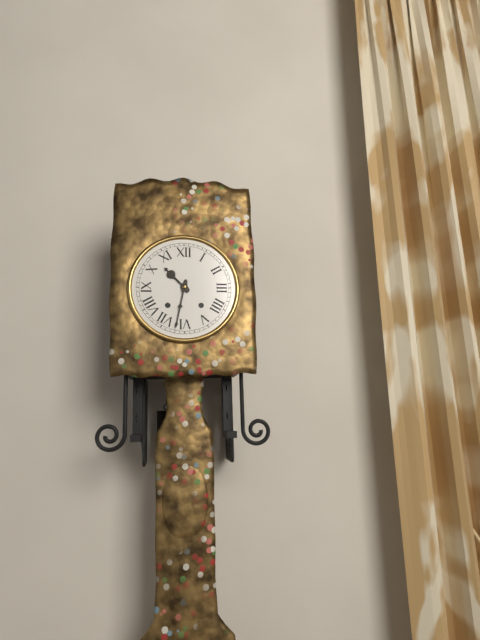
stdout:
{"hour": 10, "minute": 32}
